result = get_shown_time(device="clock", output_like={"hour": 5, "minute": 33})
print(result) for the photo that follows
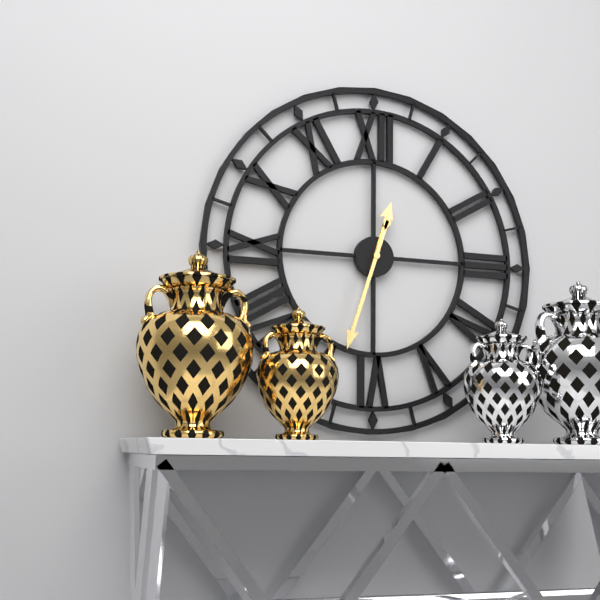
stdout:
{"hour": 12, "minute": 33}
